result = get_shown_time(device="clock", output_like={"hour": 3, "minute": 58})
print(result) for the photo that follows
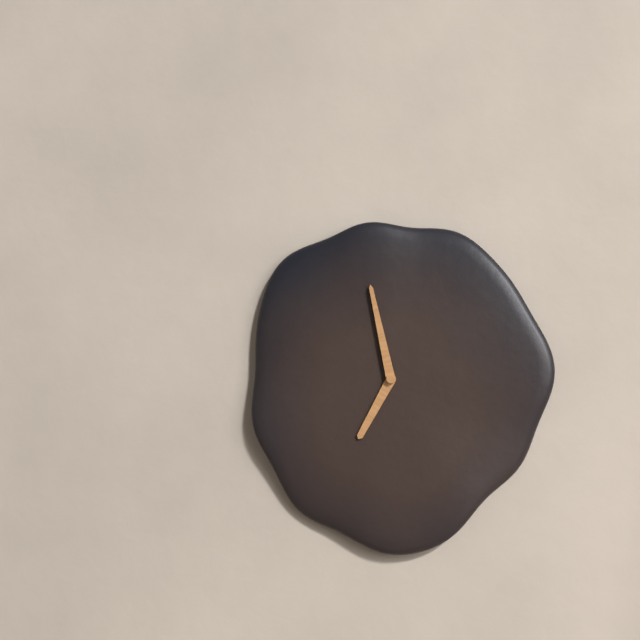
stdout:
{"hour": 6, "minute": 58}
